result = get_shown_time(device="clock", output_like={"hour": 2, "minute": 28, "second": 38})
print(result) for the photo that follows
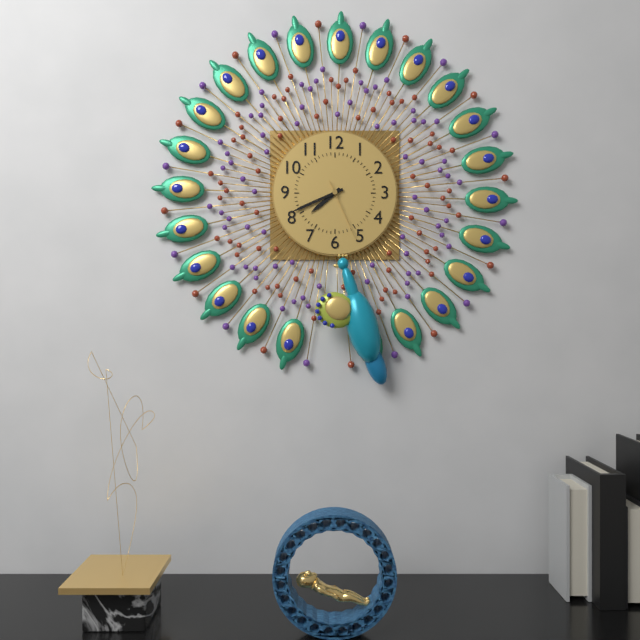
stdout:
{"hour": 7, "minute": 41, "second": 26}
